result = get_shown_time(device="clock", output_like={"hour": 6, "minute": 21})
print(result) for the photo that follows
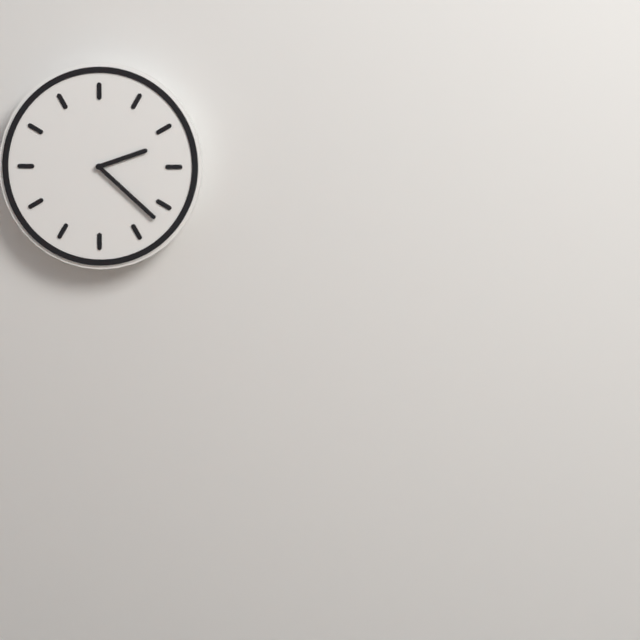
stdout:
{"hour": 2, "minute": 22}
